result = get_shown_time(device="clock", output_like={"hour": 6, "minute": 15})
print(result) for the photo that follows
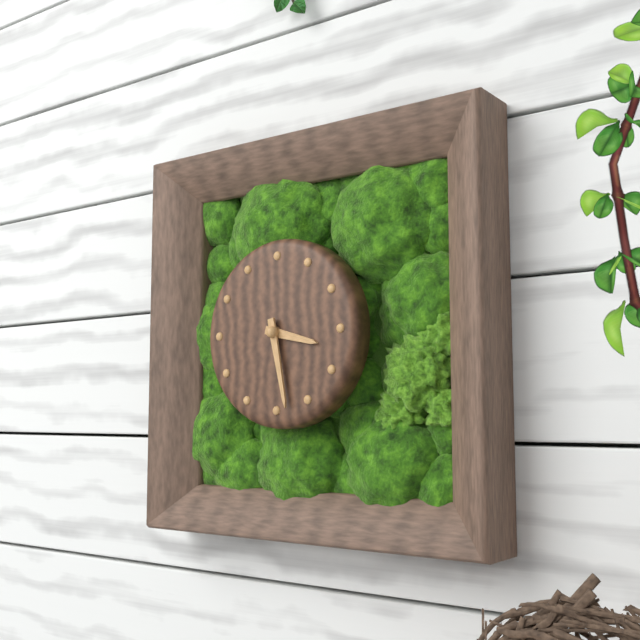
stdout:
{"hour": 3, "minute": 28}
